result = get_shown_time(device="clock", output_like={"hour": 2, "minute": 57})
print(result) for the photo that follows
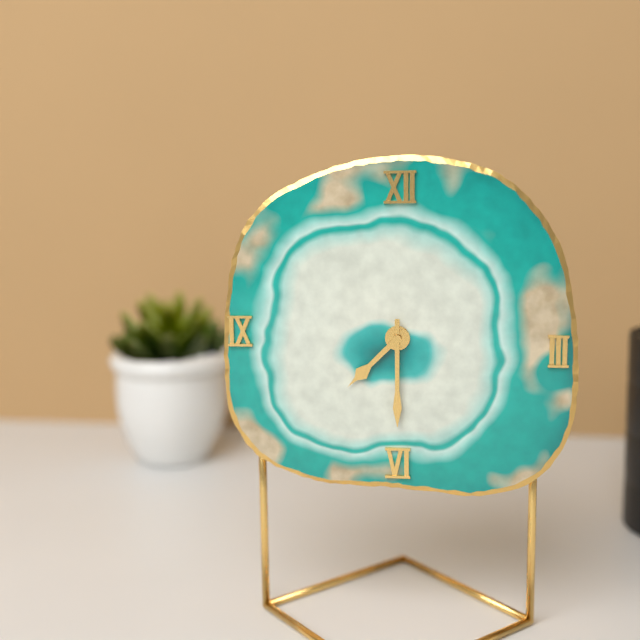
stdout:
{"hour": 7, "minute": 30}
